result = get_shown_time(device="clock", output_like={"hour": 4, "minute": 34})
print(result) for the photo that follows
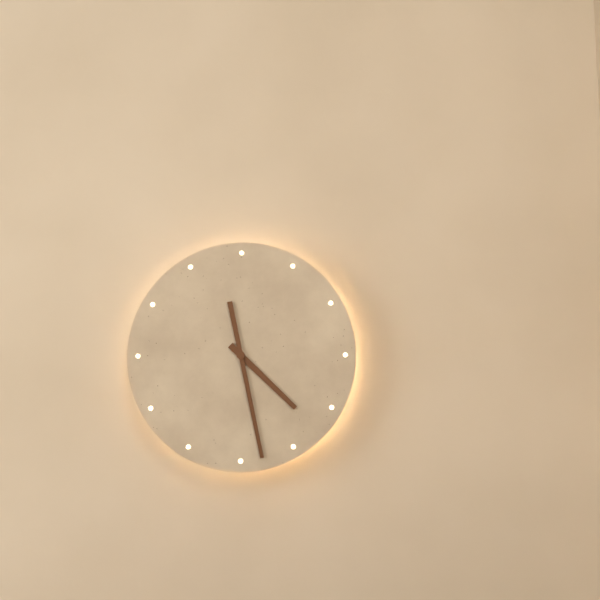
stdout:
{"hour": 4, "minute": 28}
